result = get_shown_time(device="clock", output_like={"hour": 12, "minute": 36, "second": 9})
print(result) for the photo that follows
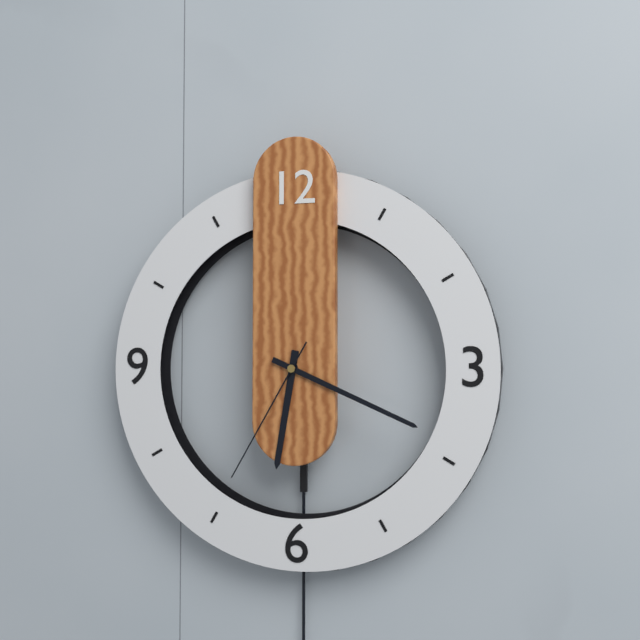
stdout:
{"hour": 6, "minute": 19, "second": 35}
